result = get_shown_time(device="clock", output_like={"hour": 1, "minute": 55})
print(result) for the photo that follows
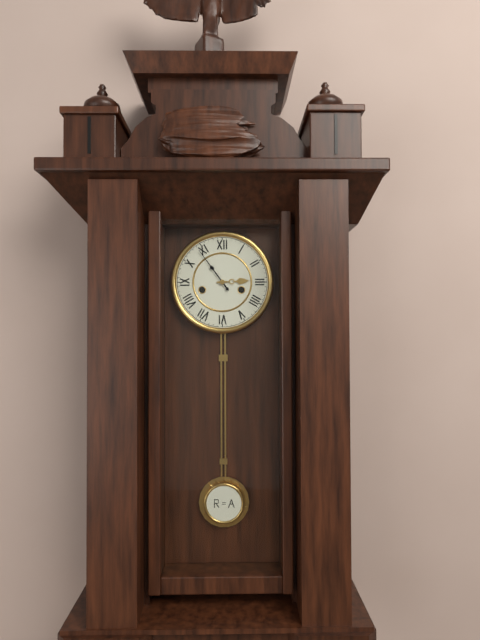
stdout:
{"hour": 2, "minute": 54}
